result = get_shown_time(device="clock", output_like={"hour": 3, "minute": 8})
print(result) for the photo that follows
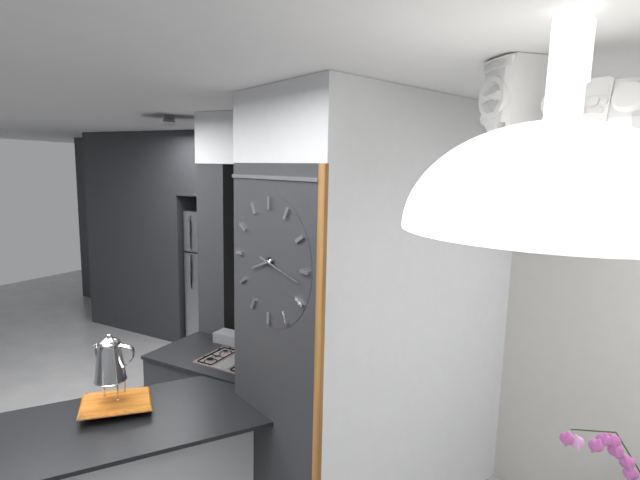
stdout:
{"hour": 8, "minute": 17}
